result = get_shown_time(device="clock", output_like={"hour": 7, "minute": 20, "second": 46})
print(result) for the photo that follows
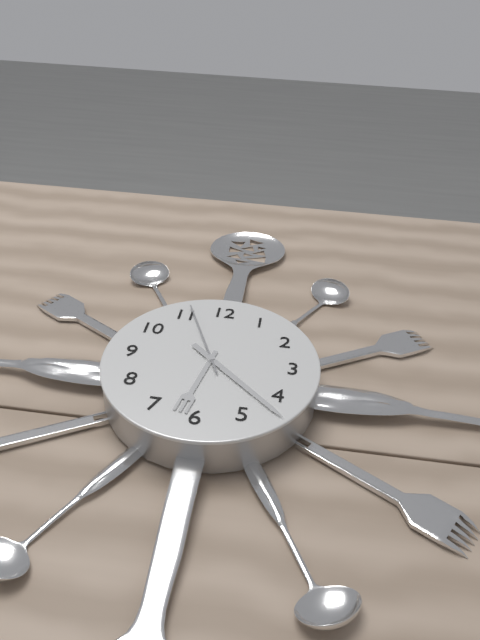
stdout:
{"hour": 6, "minute": 22, "second": 56}
